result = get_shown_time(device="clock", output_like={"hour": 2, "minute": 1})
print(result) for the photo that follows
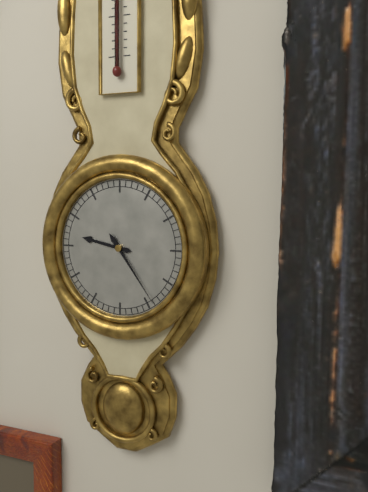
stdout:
{"hour": 9, "minute": 24}
